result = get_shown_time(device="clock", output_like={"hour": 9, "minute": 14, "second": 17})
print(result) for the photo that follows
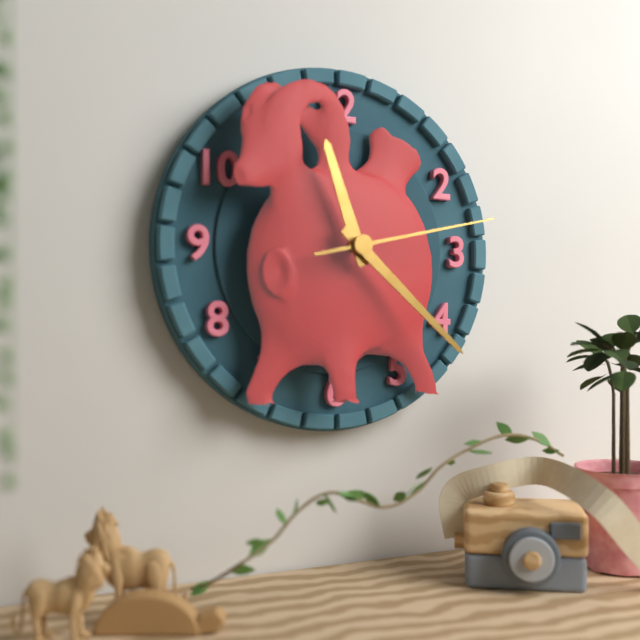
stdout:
{"hour": 11, "minute": 22, "second": 13}
